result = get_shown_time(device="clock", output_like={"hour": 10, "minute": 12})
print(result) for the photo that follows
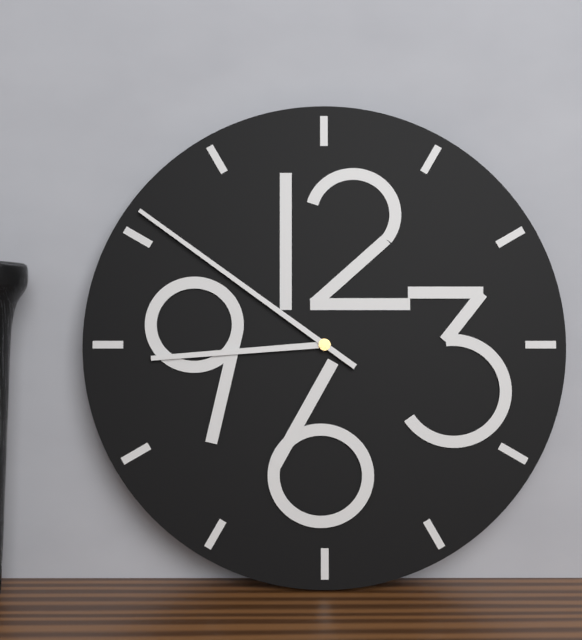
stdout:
{"hour": 8, "minute": 51}
